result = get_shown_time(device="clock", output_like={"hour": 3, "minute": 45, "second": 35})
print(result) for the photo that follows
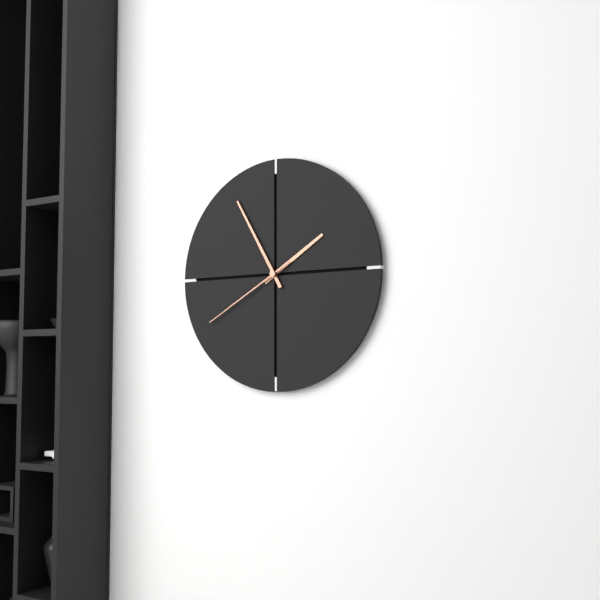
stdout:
{"hour": 1, "minute": 55, "second": 40}
